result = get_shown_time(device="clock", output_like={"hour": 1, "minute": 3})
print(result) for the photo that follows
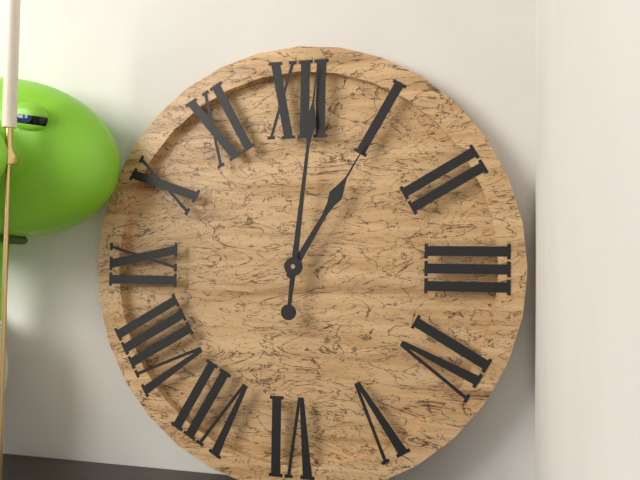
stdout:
{"hour": 1, "minute": 1}
